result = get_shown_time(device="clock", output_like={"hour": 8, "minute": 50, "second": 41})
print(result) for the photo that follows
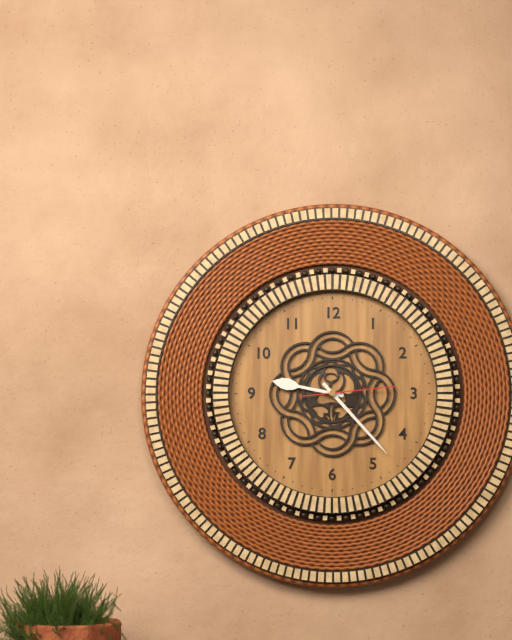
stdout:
{"hour": 9, "minute": 23, "second": 14}
